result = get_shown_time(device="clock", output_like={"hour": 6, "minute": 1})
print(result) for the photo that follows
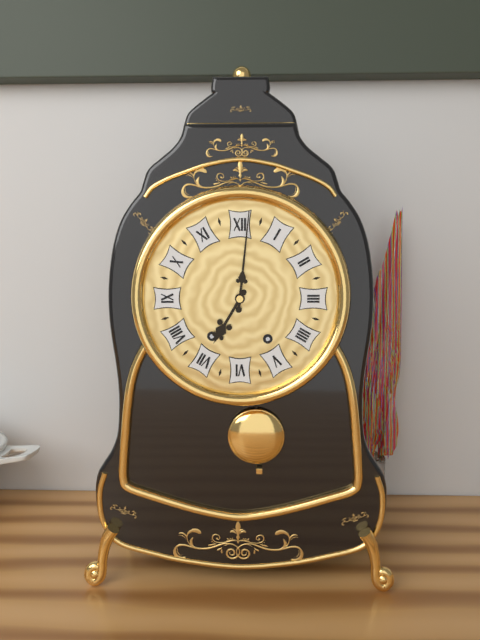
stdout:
{"hour": 7, "minute": 1}
